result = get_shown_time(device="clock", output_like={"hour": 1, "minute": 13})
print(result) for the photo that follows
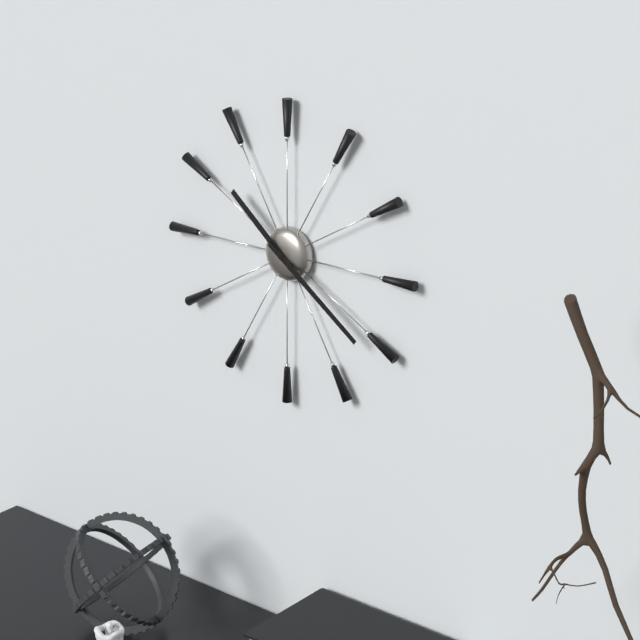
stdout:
{"hour": 10, "minute": 21}
